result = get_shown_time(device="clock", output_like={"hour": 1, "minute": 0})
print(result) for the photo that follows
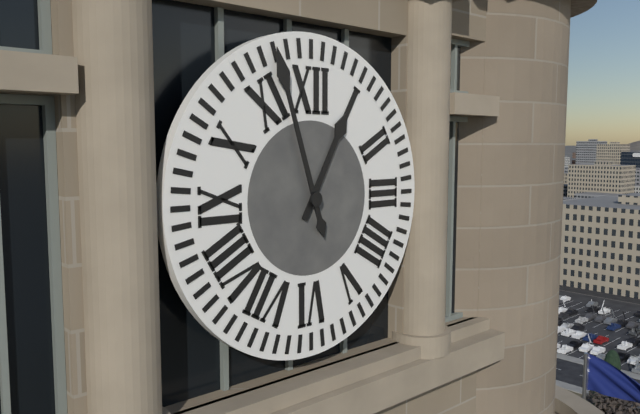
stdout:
{"hour": 12, "minute": 57}
